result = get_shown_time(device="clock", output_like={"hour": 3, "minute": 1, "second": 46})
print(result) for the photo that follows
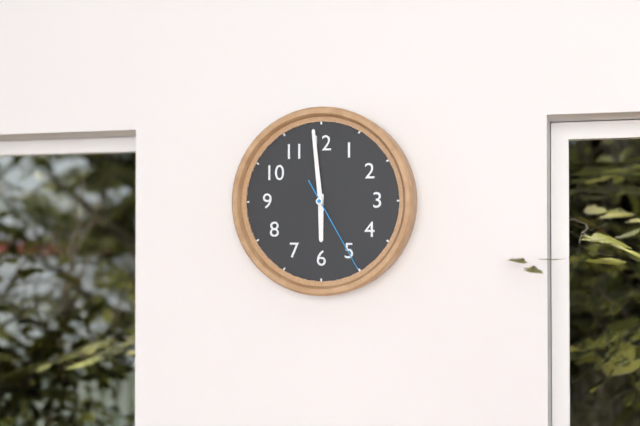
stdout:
{"hour": 5, "minute": 59, "second": 25}
